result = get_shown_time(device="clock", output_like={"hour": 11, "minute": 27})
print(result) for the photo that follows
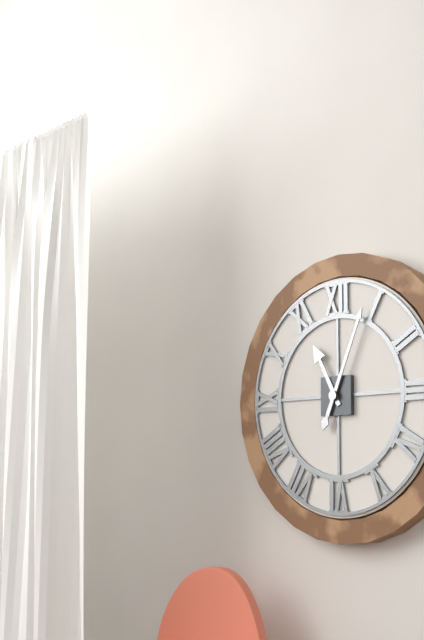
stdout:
{"hour": 11, "minute": 4}
